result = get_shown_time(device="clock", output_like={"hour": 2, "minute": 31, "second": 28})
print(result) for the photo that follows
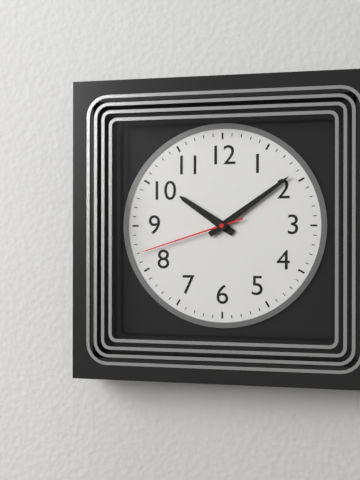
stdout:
{"hour": 10, "minute": 9, "second": 42}
